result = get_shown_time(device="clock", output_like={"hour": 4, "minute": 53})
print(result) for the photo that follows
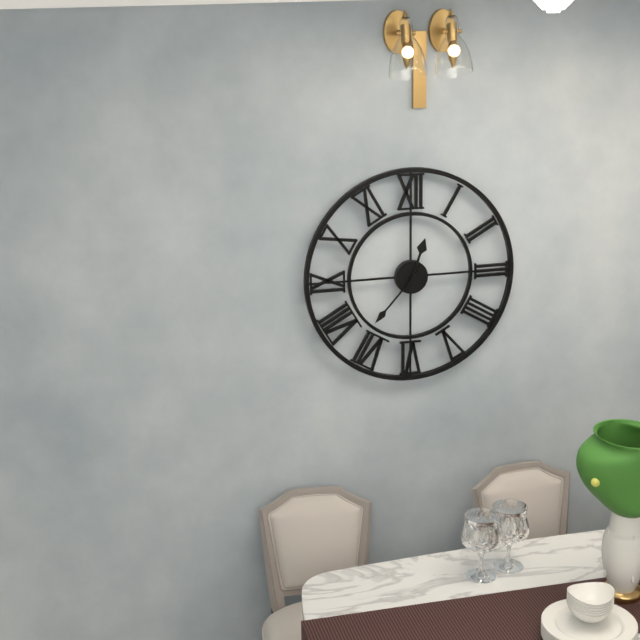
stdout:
{"hour": 12, "minute": 37}
